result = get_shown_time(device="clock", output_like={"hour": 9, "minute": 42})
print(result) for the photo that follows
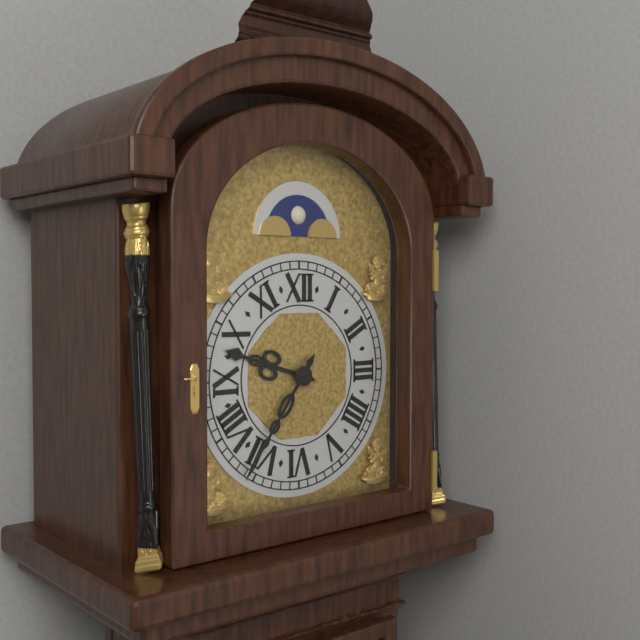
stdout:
{"hour": 9, "minute": 36}
